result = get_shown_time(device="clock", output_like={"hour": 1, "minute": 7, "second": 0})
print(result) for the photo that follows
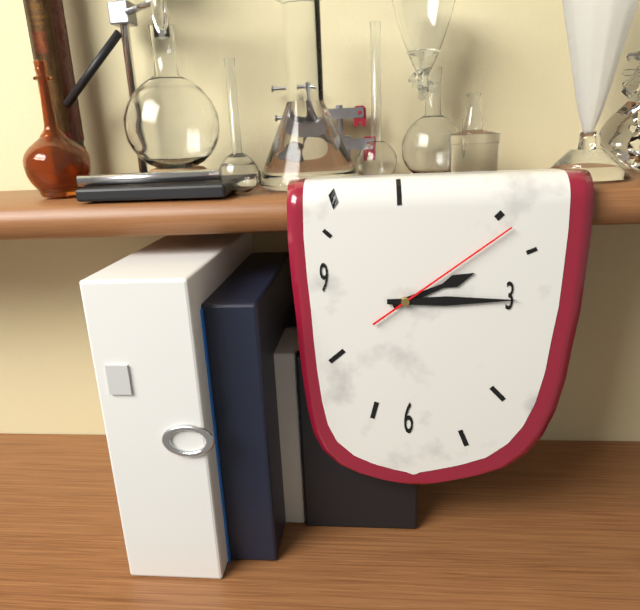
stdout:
{"hour": 2, "minute": 15, "second": 9}
